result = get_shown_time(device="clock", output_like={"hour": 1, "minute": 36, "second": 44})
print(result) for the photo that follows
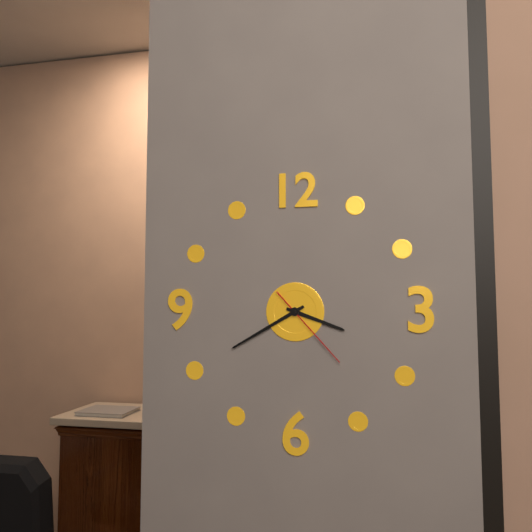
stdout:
{"hour": 3, "minute": 40, "second": 23}
